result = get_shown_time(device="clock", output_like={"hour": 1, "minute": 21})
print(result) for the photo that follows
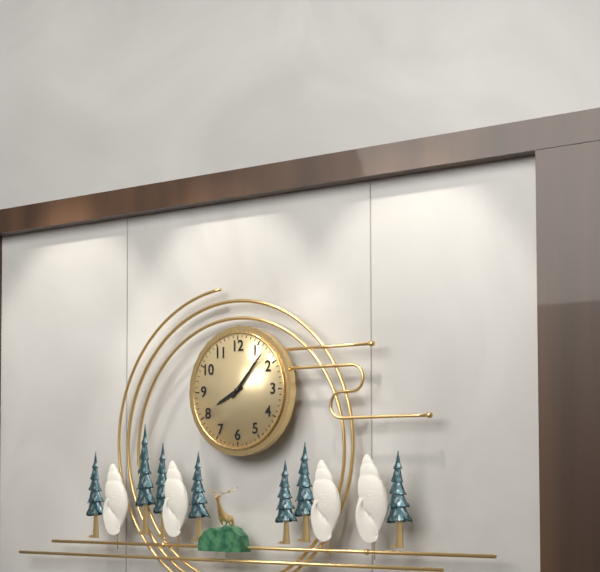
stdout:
{"hour": 8, "minute": 7}
